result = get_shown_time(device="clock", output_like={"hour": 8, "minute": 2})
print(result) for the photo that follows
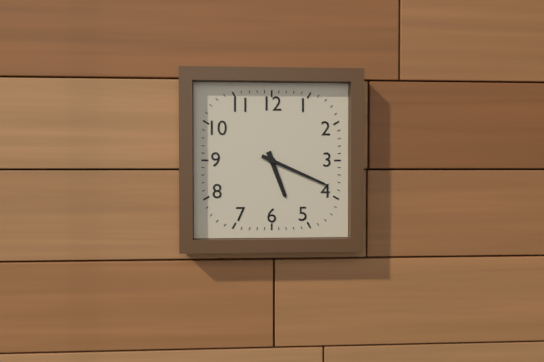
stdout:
{"hour": 5, "minute": 19}
